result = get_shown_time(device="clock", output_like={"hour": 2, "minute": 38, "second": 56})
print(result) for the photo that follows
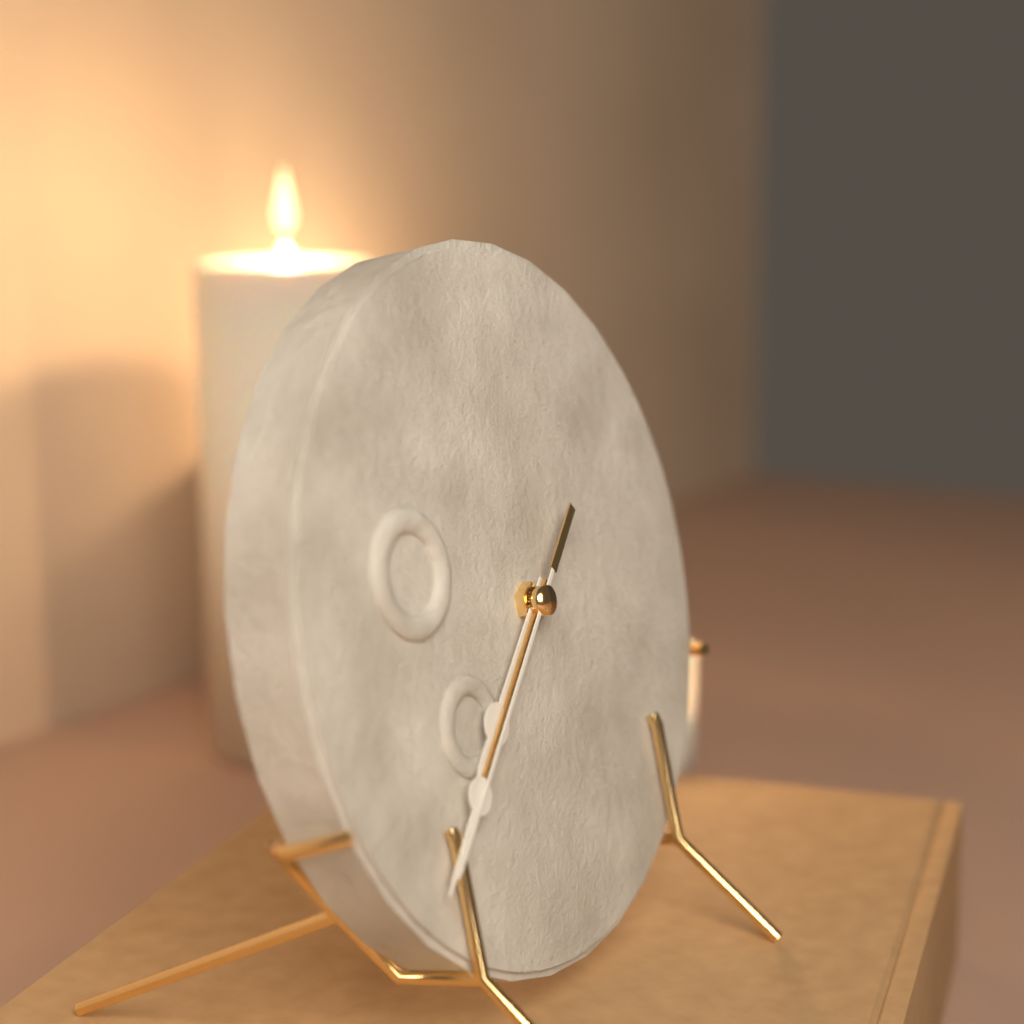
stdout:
{"hour": 7, "minute": 38, "second": 38}
